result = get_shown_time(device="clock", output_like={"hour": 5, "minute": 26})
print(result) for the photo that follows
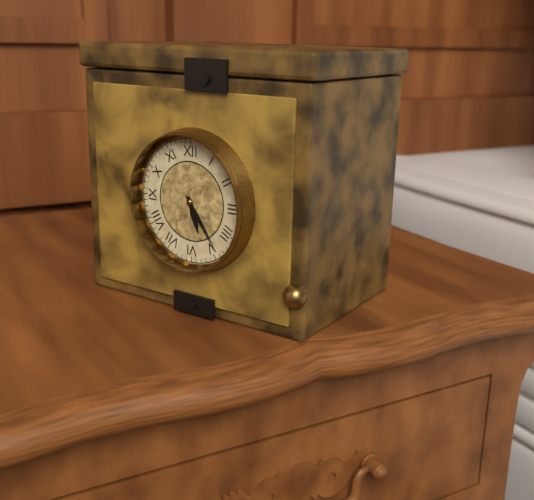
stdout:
{"hour": 5, "minute": 24}
